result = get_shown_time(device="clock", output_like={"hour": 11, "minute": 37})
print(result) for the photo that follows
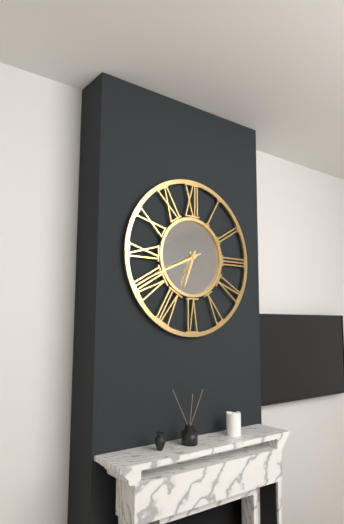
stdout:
{"hour": 6, "minute": 41}
